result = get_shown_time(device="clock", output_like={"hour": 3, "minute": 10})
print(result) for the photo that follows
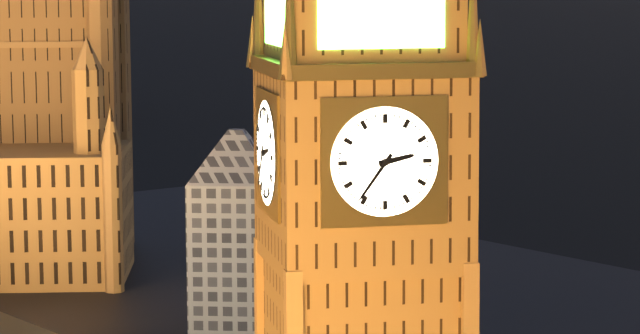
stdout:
{"hour": 2, "minute": 36}
